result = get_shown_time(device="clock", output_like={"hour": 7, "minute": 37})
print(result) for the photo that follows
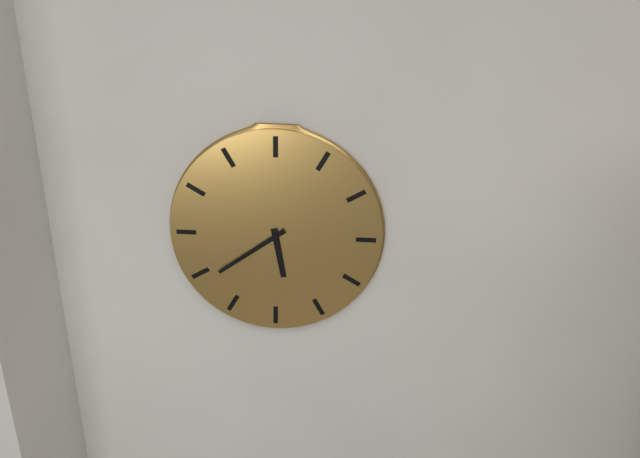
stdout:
{"hour": 5, "minute": 39}
